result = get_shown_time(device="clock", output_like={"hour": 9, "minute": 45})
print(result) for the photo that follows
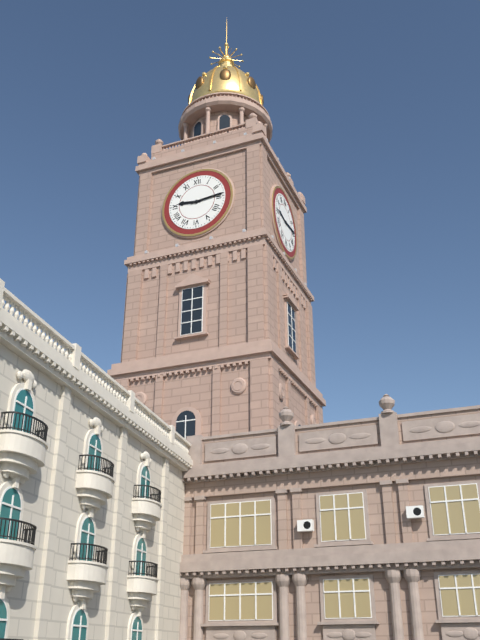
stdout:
{"hour": 9, "minute": 14}
